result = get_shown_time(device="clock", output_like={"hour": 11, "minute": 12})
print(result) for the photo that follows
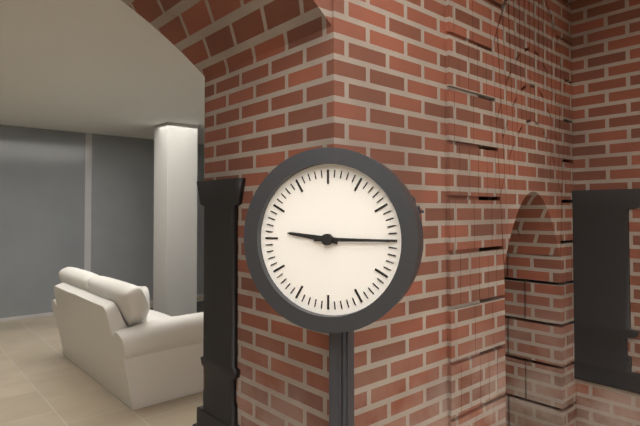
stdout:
{"hour": 9, "minute": 15}
